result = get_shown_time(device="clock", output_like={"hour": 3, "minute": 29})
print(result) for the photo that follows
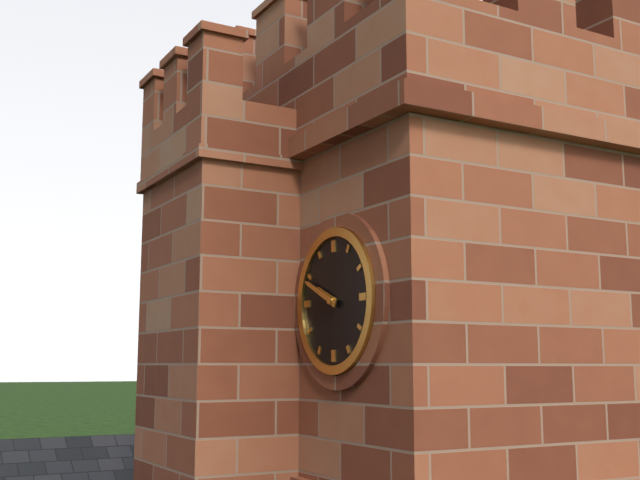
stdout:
{"hour": 9, "minute": 49}
